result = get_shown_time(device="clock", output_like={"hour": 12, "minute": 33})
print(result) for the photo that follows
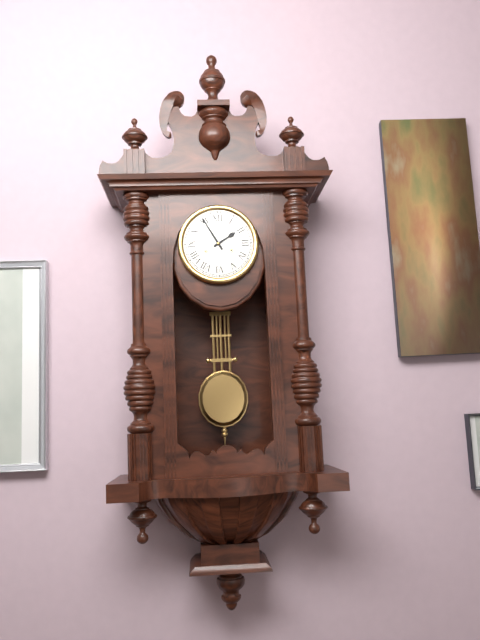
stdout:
{"hour": 1, "minute": 55}
